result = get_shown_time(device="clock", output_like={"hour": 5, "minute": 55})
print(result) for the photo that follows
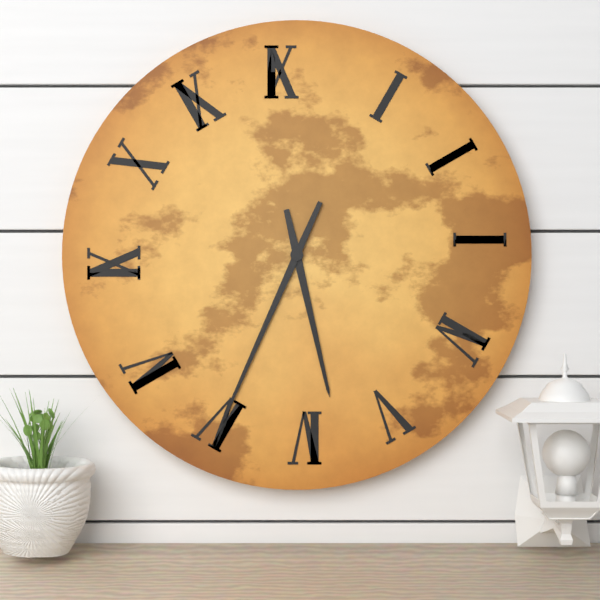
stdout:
{"hour": 5, "minute": 34}
